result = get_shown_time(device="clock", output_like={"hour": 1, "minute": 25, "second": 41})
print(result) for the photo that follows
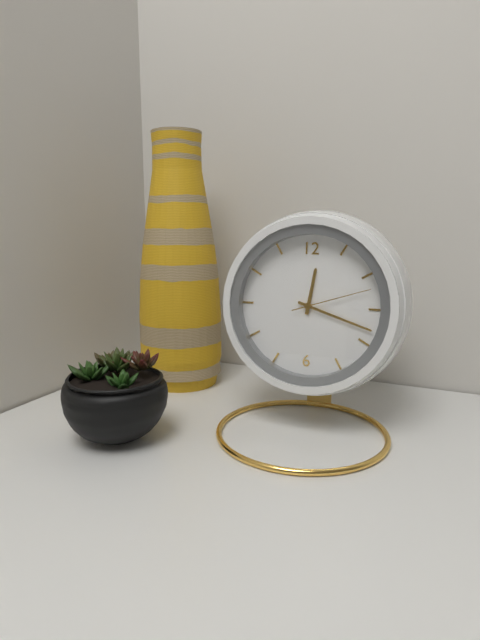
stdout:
{"hour": 12, "minute": 18, "second": 12}
